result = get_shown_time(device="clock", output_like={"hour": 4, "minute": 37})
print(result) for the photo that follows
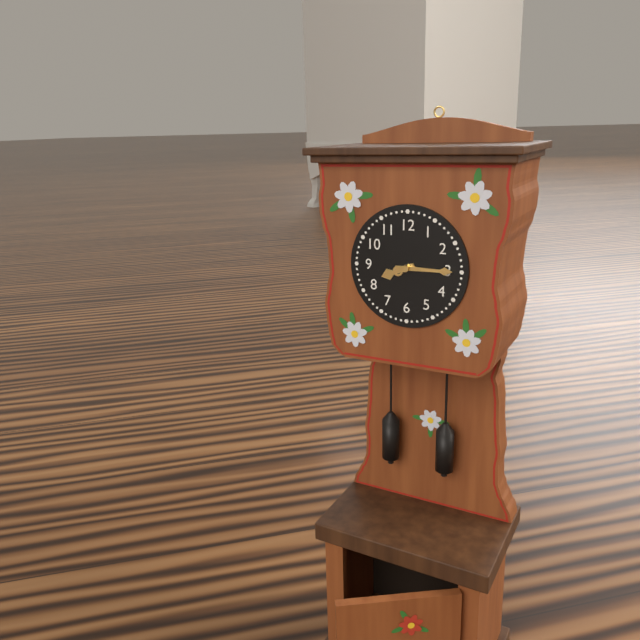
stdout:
{"hour": 8, "minute": 15}
